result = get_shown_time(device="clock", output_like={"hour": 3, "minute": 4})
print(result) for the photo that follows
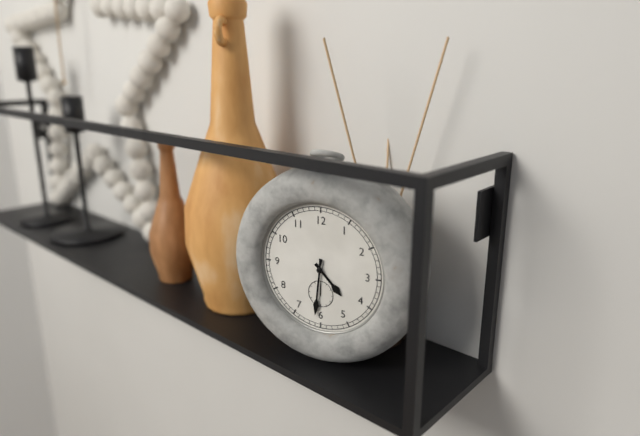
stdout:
{"hour": 4, "minute": 31}
